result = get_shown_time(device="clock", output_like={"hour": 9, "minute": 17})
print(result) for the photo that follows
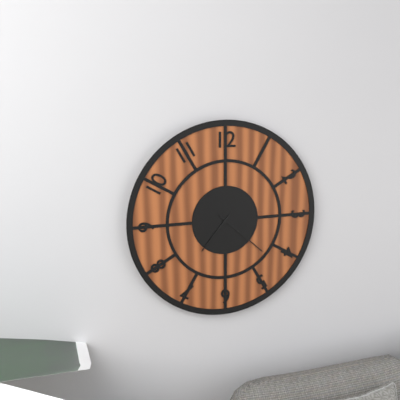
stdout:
{"hour": 7, "minute": 22}
